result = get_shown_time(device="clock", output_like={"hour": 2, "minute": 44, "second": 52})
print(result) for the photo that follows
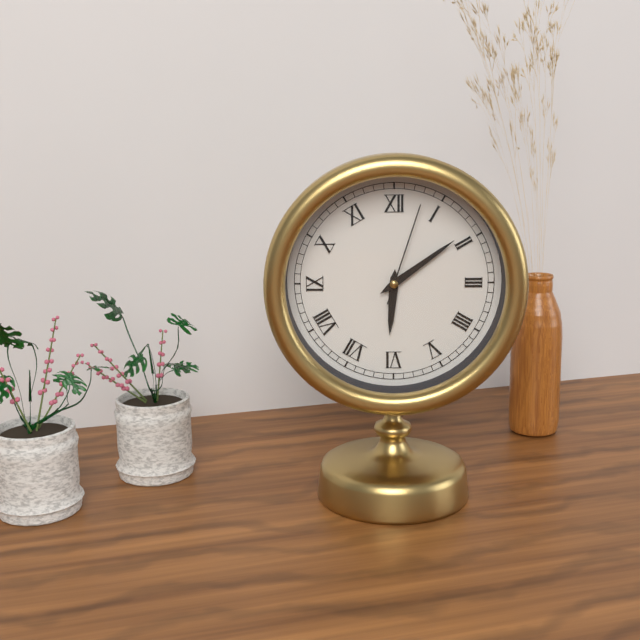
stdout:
{"hour": 6, "minute": 9, "second": 3}
